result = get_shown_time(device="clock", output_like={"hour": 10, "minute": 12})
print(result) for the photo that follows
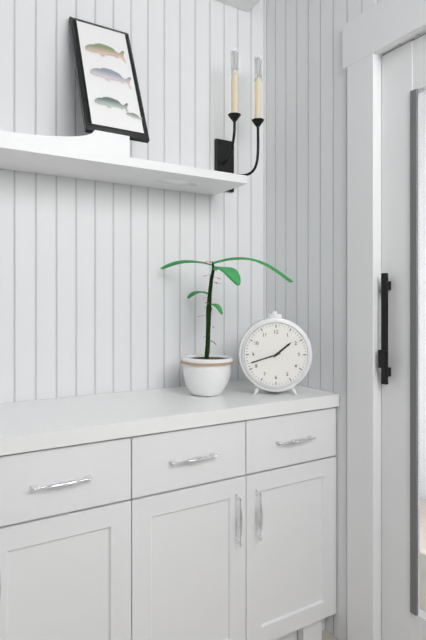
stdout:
{"hour": 1, "minute": 42}
